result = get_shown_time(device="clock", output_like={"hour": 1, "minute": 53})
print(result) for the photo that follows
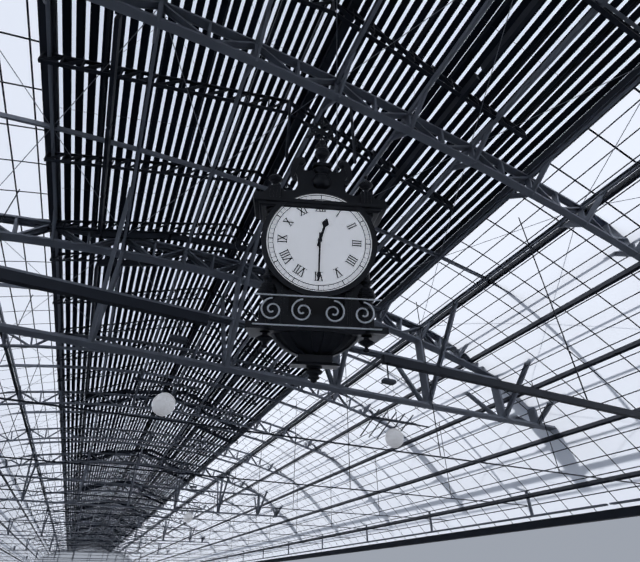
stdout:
{"hour": 12, "minute": 30}
